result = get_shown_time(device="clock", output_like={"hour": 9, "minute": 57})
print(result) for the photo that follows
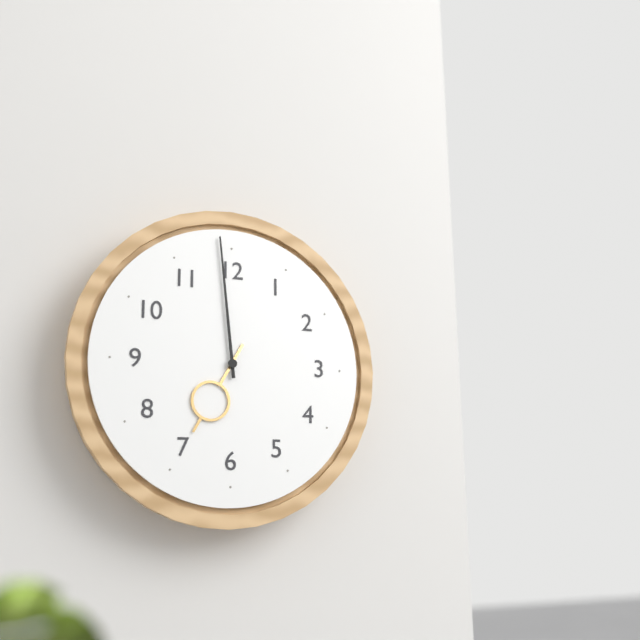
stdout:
{"hour": 6, "minute": 59}
